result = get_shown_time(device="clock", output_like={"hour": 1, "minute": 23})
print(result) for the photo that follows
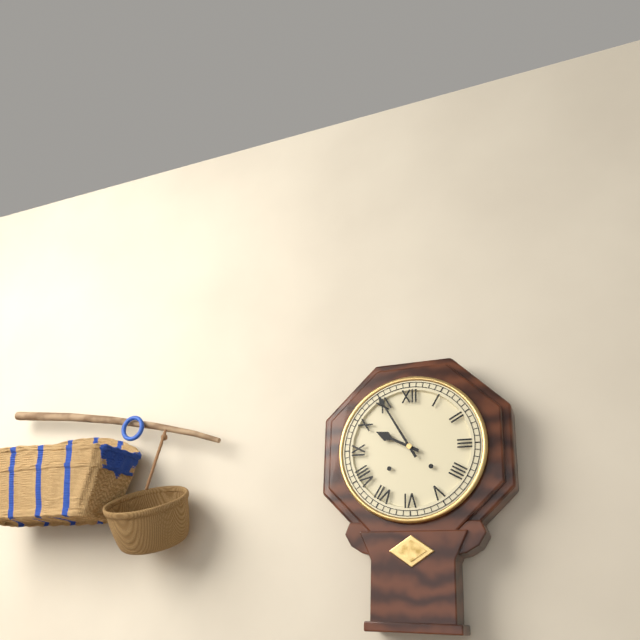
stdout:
{"hour": 9, "minute": 55}
